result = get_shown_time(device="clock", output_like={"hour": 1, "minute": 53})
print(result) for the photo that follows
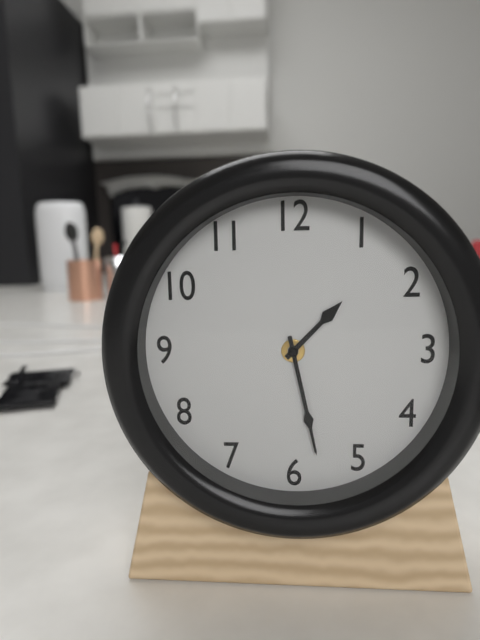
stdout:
{"hour": 1, "minute": 28}
